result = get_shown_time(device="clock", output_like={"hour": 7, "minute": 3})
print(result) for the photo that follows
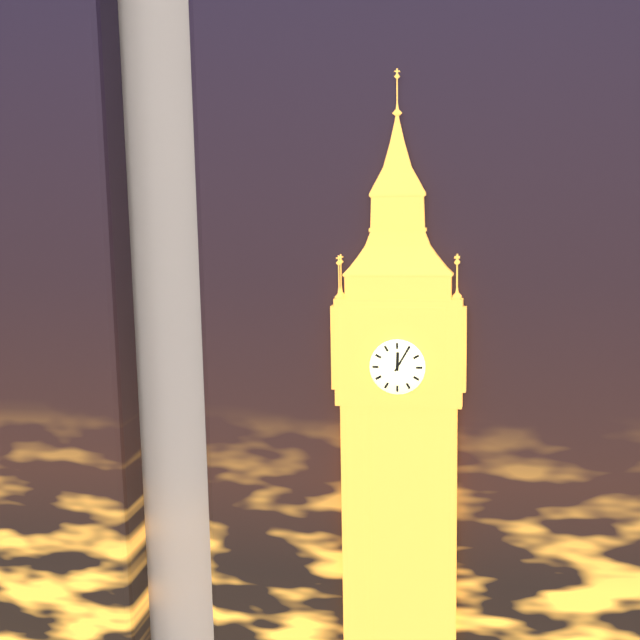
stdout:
{"hour": 12, "minute": 5}
